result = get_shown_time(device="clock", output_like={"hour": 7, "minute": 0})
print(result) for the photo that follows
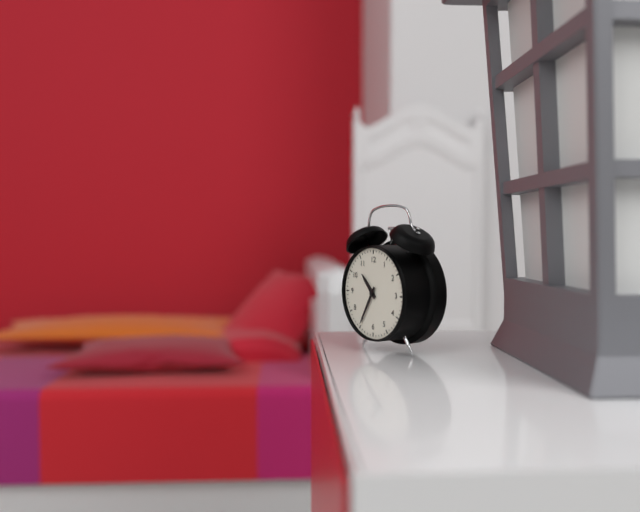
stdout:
{"hour": 10, "minute": 35}
